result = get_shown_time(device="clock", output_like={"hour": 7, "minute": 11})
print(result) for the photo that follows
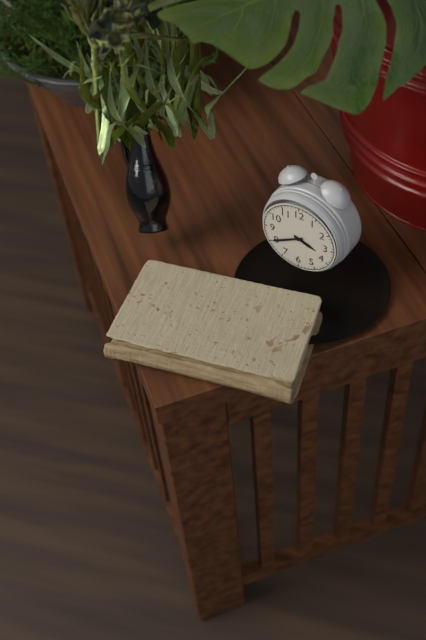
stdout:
{"hour": 3, "minute": 40}
